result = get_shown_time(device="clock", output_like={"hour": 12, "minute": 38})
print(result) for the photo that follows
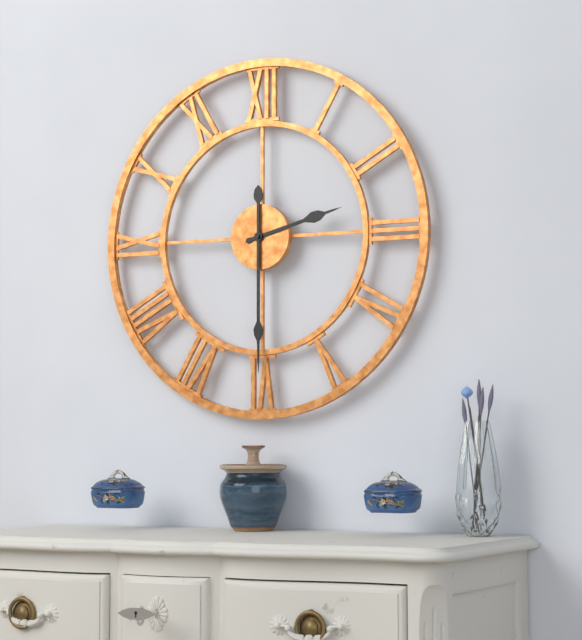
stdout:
{"hour": 2, "minute": 30}
